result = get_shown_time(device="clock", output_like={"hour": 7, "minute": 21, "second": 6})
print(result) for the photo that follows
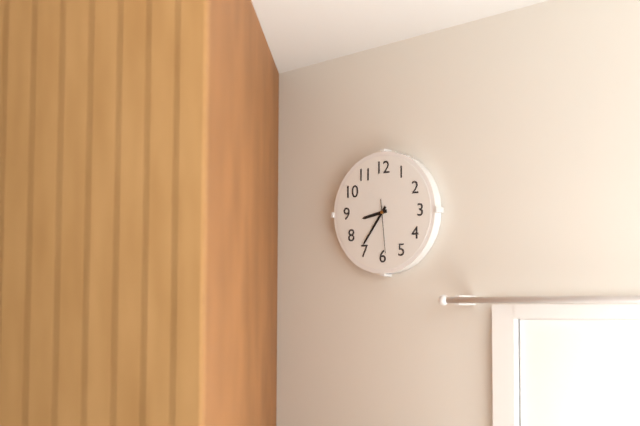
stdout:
{"hour": 8, "minute": 36, "second": 29}
